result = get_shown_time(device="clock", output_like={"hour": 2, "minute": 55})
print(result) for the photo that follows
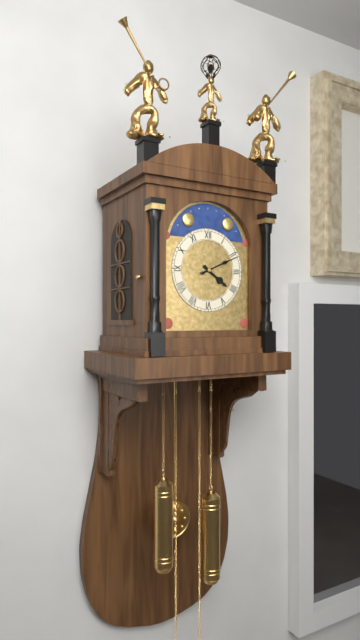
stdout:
{"hour": 4, "minute": 11}
